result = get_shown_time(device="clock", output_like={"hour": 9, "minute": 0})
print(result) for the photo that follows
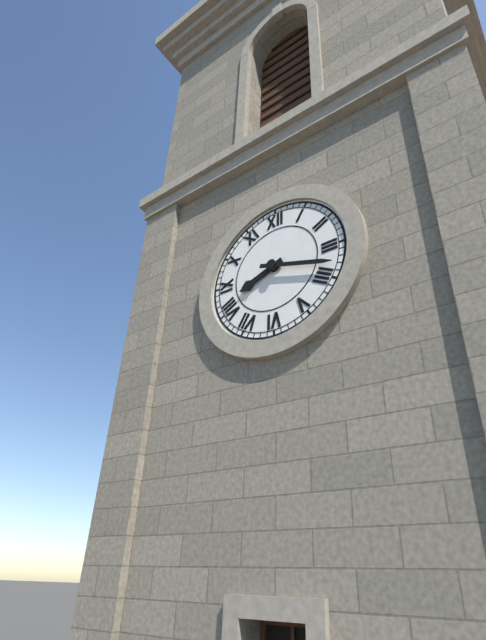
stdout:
{"hour": 8, "minute": 18}
